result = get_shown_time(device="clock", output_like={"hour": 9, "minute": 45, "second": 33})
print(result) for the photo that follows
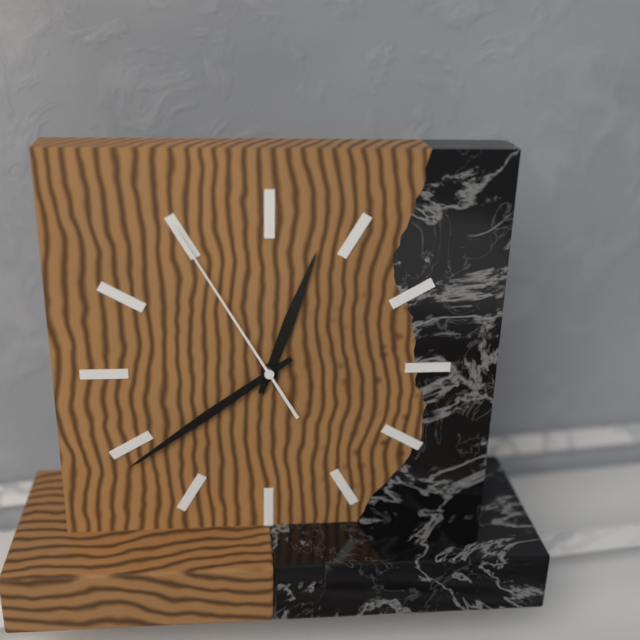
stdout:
{"hour": 12, "minute": 39, "second": 55}
